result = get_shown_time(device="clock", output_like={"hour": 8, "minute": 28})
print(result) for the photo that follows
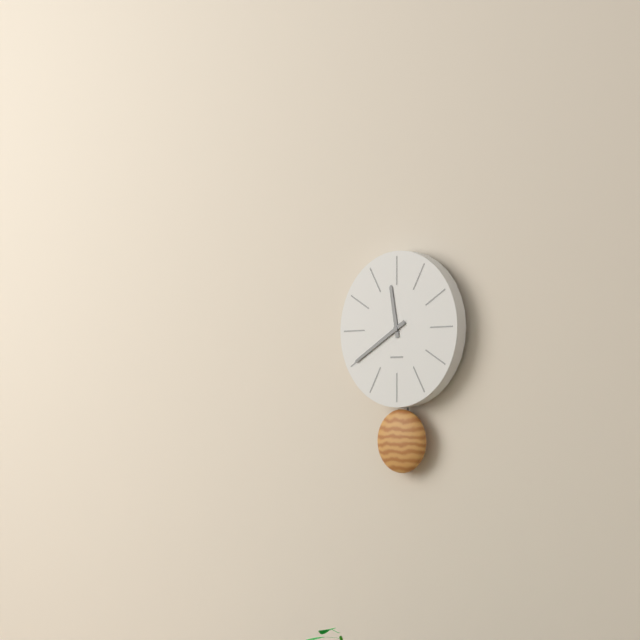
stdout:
{"hour": 11, "minute": 40}
